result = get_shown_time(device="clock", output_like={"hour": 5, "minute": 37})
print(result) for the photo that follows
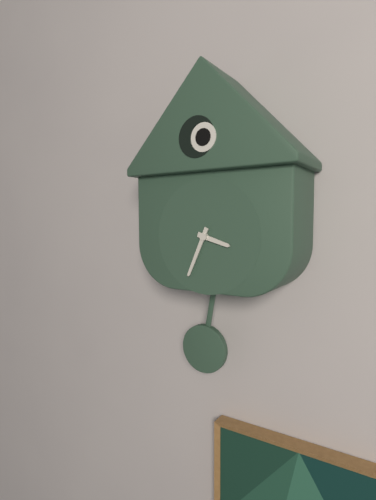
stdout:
{"hour": 3, "minute": 34}
